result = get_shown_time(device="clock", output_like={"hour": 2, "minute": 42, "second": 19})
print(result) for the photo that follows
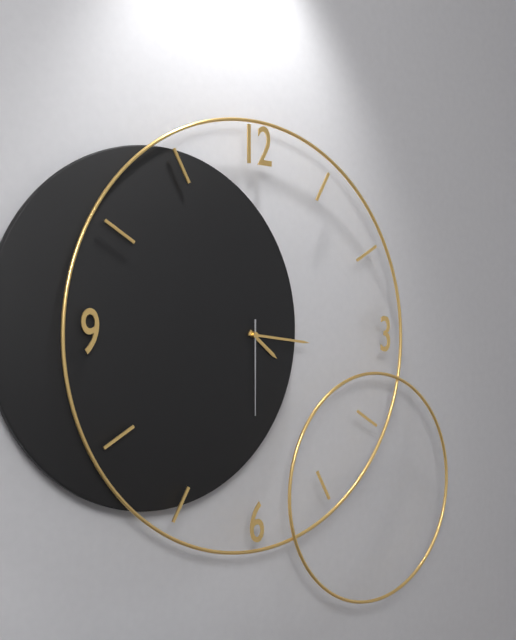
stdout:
{"hour": 4, "minute": 16, "second": 30}
